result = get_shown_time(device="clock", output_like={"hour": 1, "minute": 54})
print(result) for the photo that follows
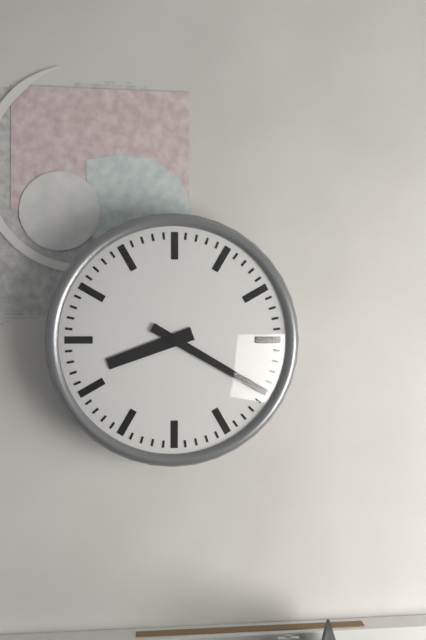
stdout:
{"hour": 8, "minute": 20}
